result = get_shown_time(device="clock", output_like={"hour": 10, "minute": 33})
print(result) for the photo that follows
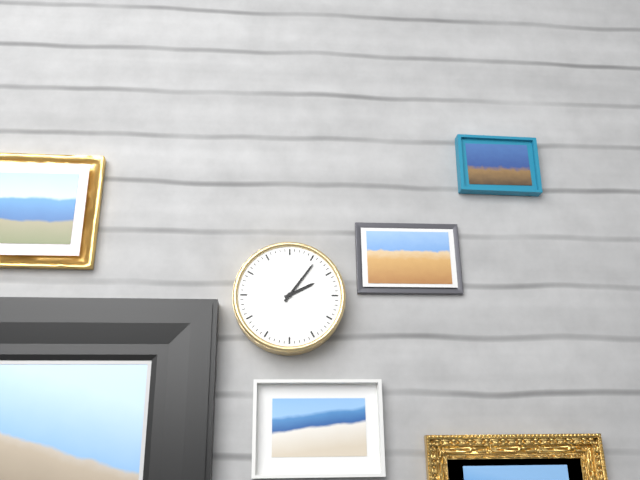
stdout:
{"hour": 2, "minute": 6}
